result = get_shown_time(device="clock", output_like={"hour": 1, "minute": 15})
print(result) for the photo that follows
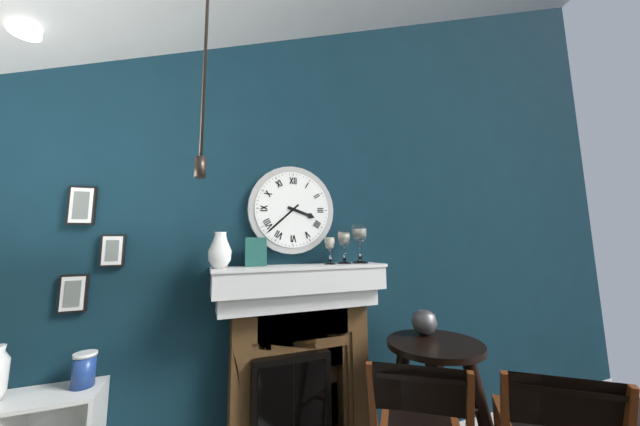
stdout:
{"hour": 3, "minute": 38}
